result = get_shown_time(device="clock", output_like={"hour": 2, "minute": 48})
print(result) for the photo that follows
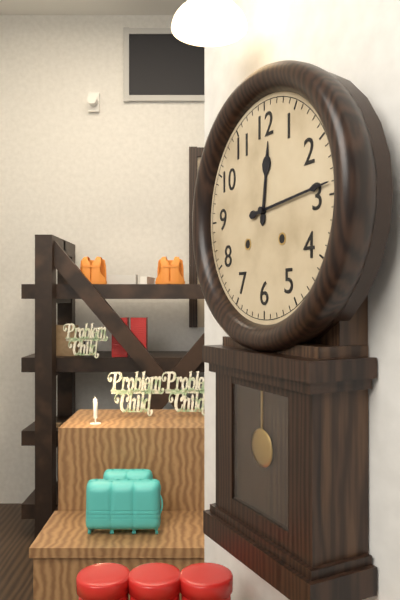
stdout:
{"hour": 12, "minute": 14}
